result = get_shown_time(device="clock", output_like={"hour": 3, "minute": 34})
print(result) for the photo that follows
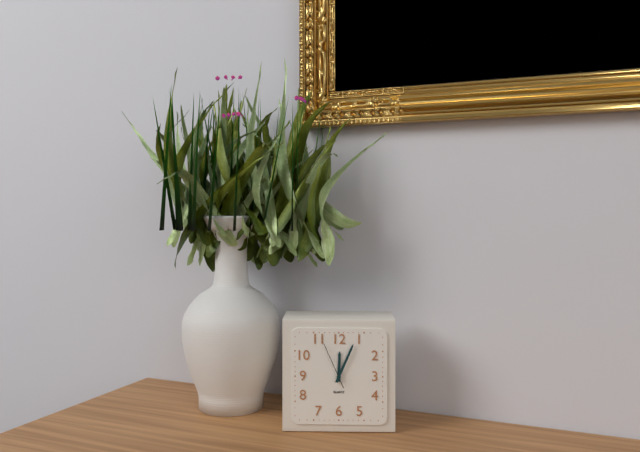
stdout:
{"hour": 12, "minute": 4}
